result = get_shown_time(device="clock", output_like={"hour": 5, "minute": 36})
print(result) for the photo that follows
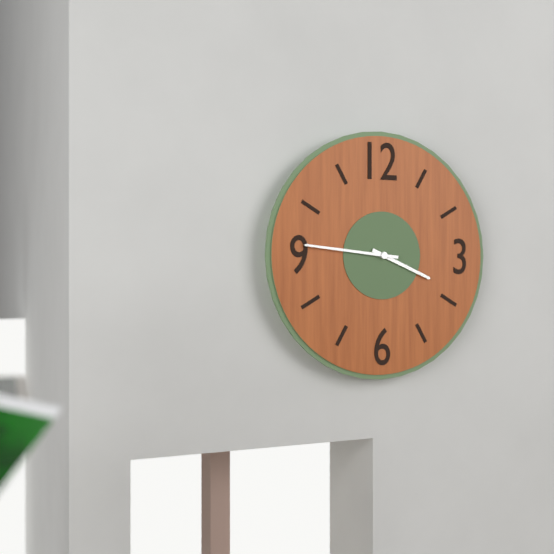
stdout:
{"hour": 3, "minute": 46}
